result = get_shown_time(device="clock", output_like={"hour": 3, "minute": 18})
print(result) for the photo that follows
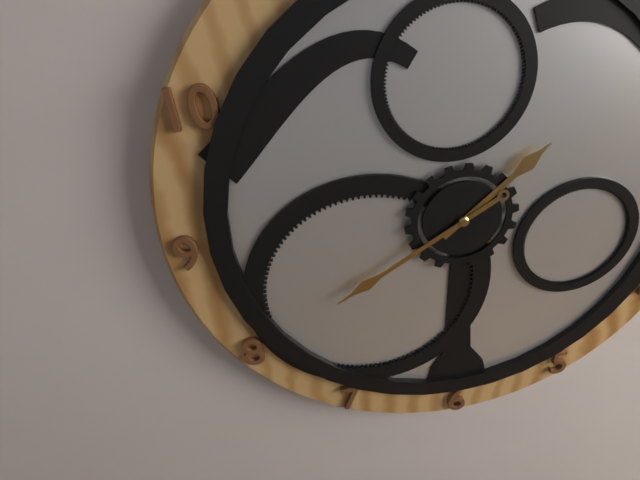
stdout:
{"hour": 1, "minute": 40}
